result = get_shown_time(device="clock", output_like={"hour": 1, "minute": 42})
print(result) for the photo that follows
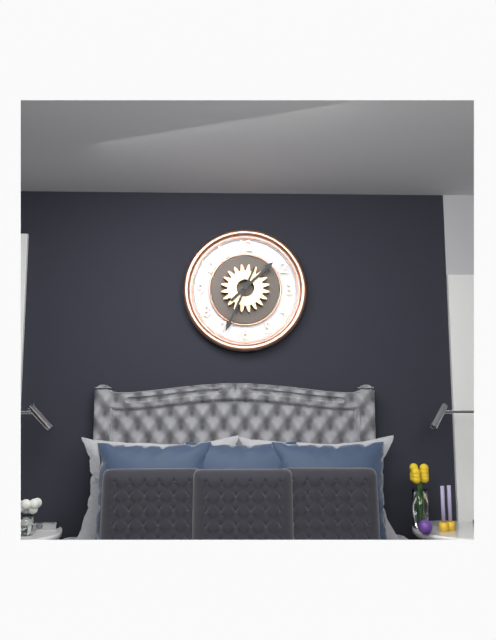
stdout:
{"hour": 1, "minute": 34}
